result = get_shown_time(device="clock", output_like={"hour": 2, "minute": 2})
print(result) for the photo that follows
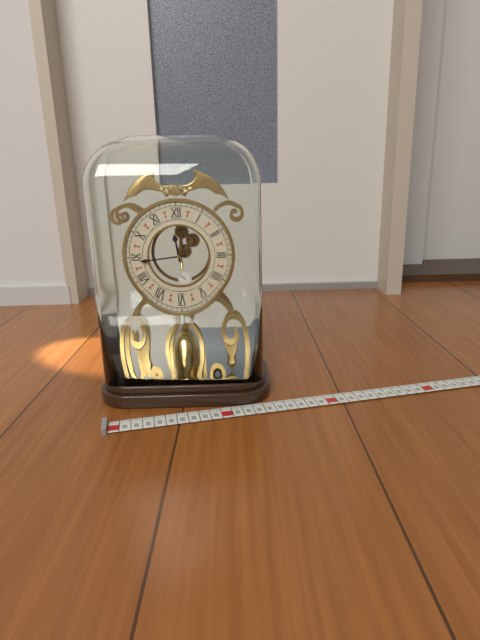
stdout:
{"hour": 11, "minute": 44}
